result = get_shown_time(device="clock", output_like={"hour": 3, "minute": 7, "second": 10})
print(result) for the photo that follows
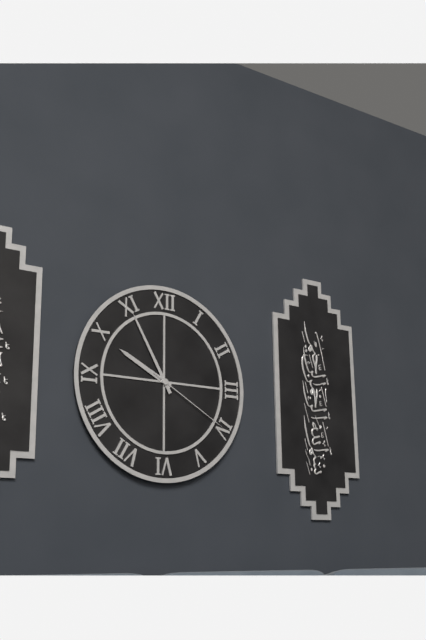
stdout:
{"hour": 9, "minute": 55, "second": 20}
